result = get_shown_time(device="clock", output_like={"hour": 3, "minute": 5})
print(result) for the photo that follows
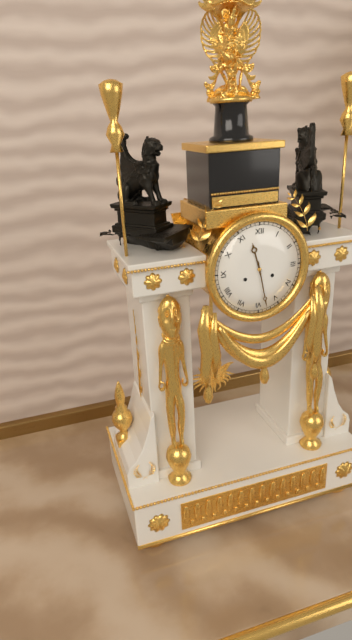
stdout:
{"hour": 11, "minute": 28}
